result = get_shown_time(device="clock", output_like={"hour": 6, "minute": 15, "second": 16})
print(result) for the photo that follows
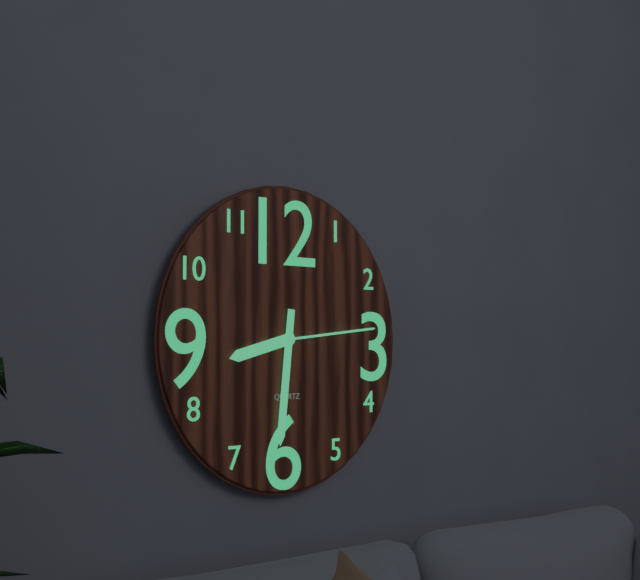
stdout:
{"hour": 8, "minute": 31, "second": 14}
